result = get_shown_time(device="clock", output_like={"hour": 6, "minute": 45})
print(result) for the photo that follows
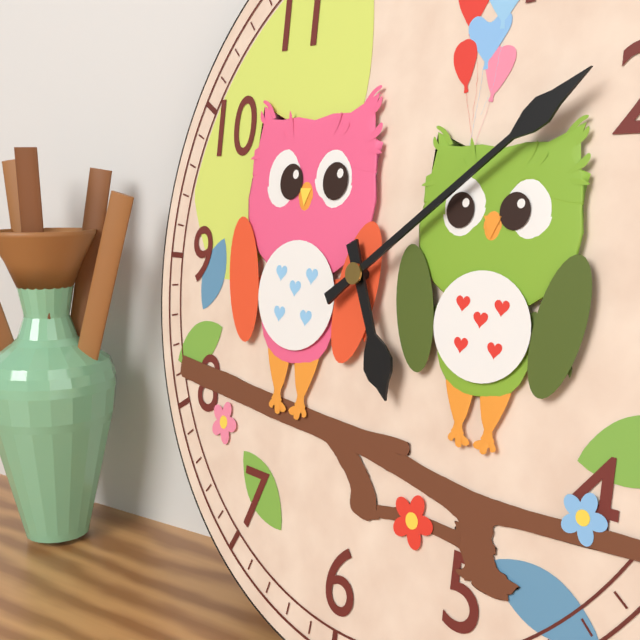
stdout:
{"hour": 5, "minute": 9}
